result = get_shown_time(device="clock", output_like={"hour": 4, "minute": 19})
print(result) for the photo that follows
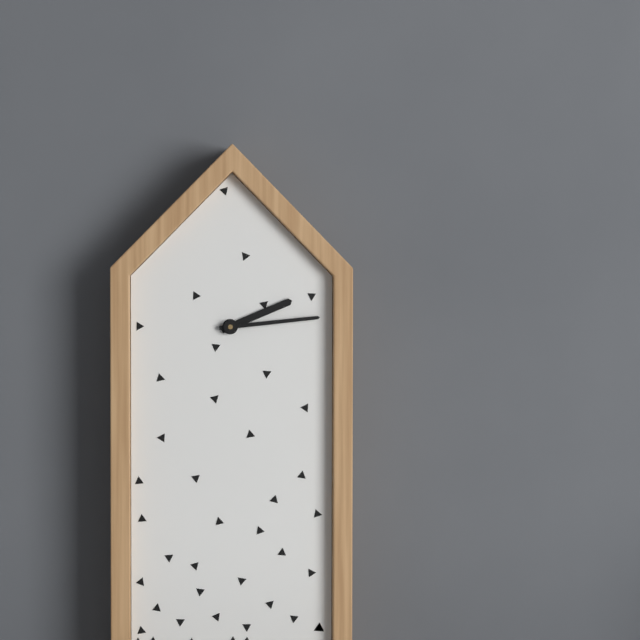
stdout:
{"hour": 2, "minute": 14}
